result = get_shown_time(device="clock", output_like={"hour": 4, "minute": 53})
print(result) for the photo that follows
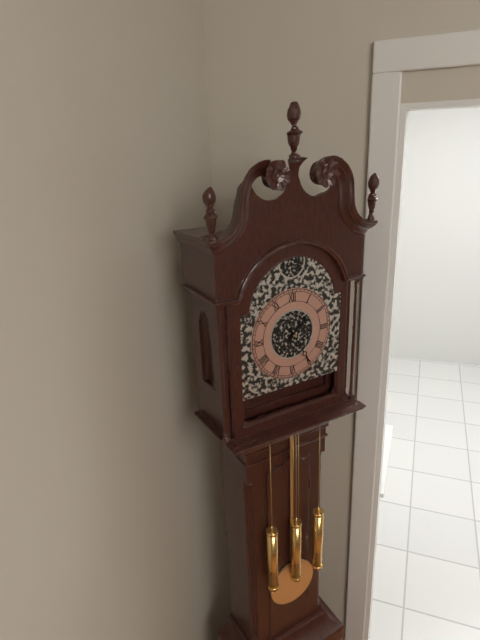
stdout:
{"hour": 1, "minute": 25}
